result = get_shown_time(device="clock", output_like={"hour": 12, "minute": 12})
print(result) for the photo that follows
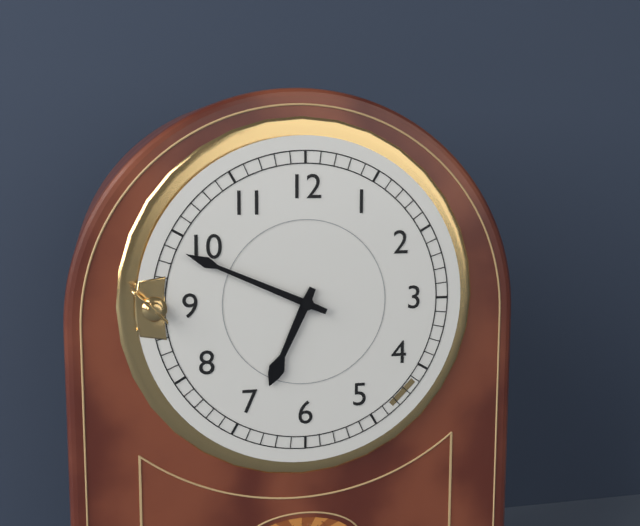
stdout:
{"hour": 6, "minute": 49}
